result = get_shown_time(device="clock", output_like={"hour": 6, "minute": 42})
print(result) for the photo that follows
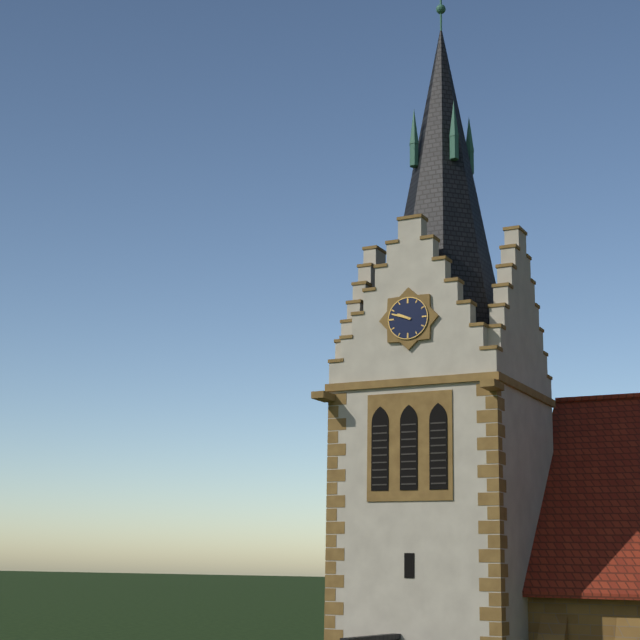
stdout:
{"hour": 9, "minute": 48}
